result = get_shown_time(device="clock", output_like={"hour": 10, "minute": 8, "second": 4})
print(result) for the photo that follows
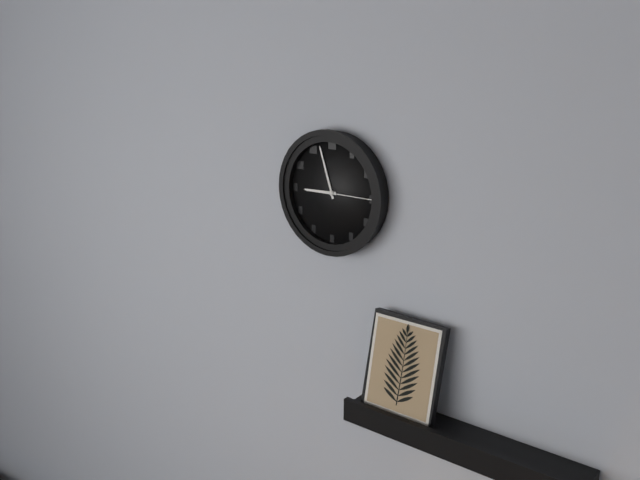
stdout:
{"hour": 8, "minute": 57, "second": 15}
